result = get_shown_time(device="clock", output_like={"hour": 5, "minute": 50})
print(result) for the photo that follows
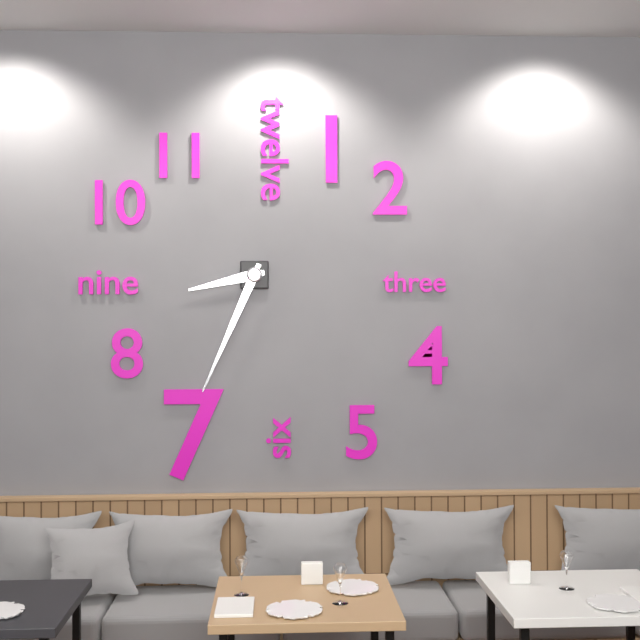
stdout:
{"hour": 8, "minute": 34}
